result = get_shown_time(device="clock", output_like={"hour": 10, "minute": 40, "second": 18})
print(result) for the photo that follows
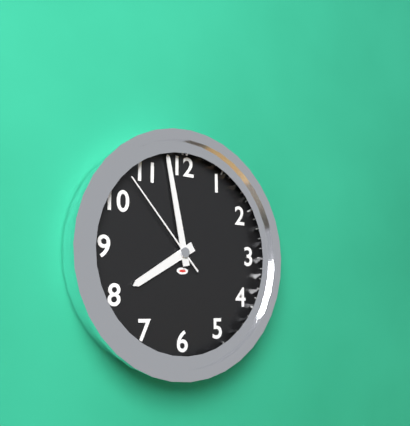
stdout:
{"hour": 7, "minute": 58, "second": 53}
